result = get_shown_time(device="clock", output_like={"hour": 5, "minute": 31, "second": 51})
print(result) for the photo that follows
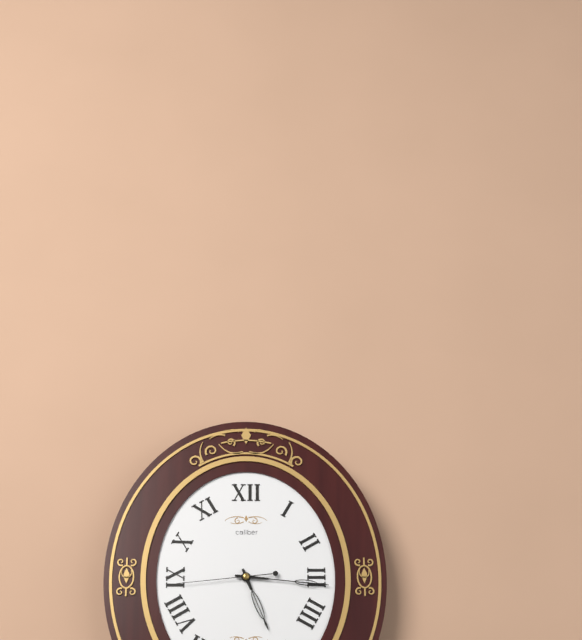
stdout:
{"hour": 5, "minute": 16, "second": 44}
